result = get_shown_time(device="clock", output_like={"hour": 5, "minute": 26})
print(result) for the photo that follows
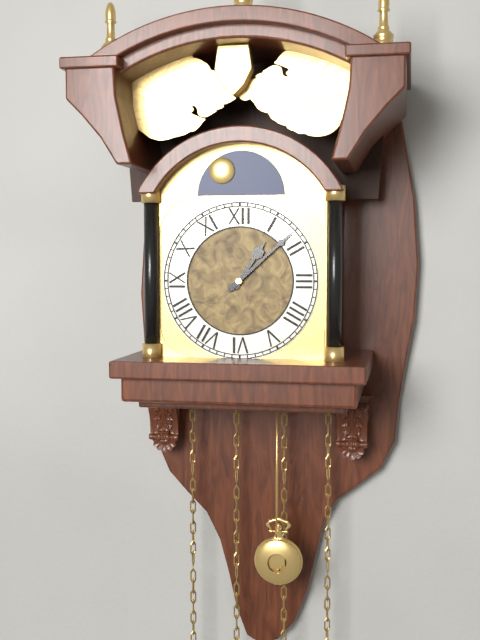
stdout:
{"hour": 1, "minute": 8}
